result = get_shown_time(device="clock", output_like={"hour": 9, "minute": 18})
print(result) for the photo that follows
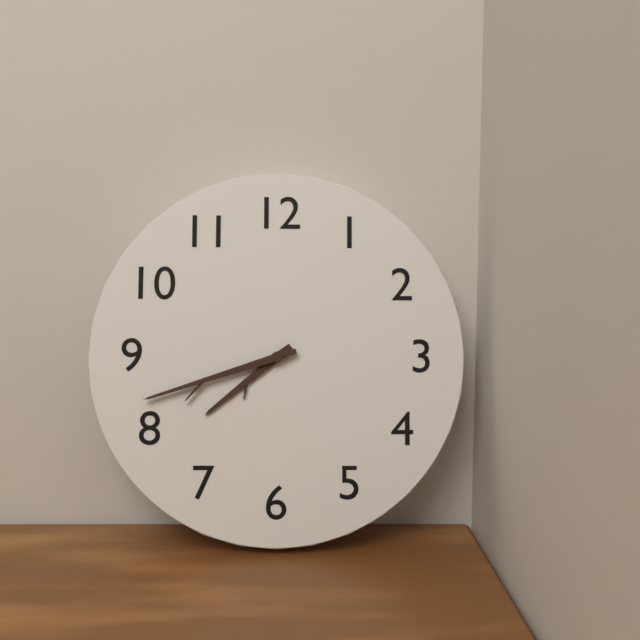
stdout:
{"hour": 7, "minute": 42}
